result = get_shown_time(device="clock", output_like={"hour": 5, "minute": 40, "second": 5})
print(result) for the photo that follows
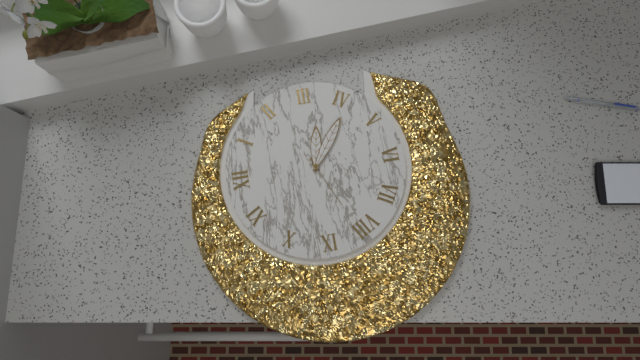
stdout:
{"hour": 3, "minute": 21, "second": 41}
